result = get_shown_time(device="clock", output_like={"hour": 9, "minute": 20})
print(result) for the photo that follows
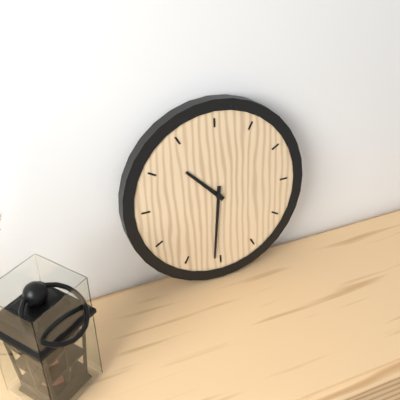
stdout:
{"hour": 10, "minute": 31}
